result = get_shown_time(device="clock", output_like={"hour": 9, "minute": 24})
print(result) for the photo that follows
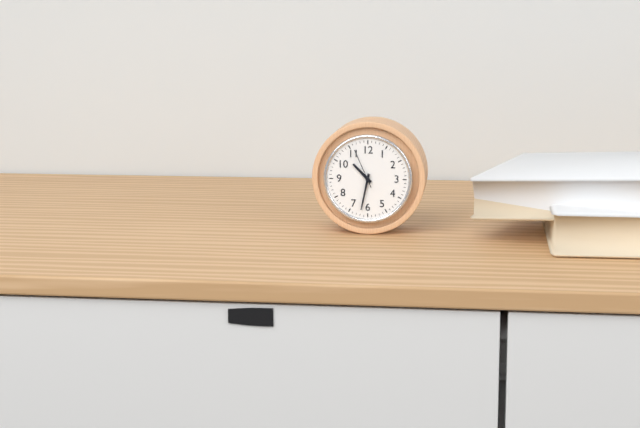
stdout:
{"hour": 10, "minute": 32}
